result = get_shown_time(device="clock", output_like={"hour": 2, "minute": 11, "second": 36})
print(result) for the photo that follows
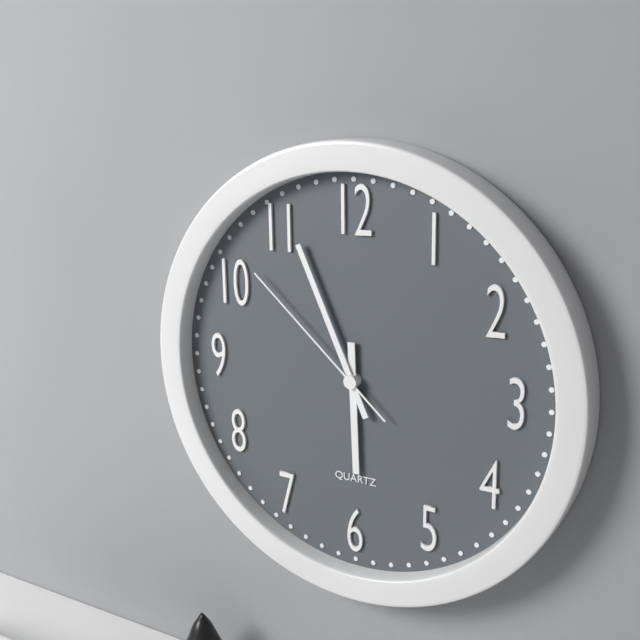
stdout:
{"hour": 5, "minute": 56, "second": 52}
